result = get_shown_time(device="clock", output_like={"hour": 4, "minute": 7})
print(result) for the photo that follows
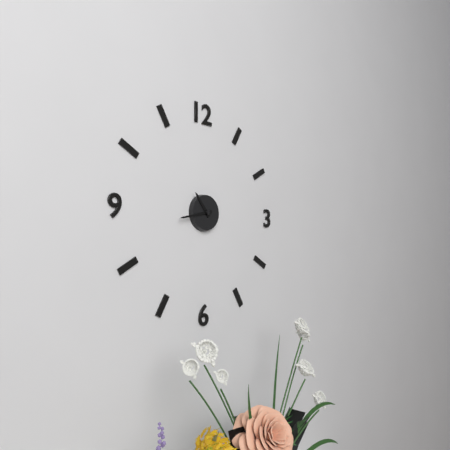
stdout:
{"hour": 10, "minute": 43}
